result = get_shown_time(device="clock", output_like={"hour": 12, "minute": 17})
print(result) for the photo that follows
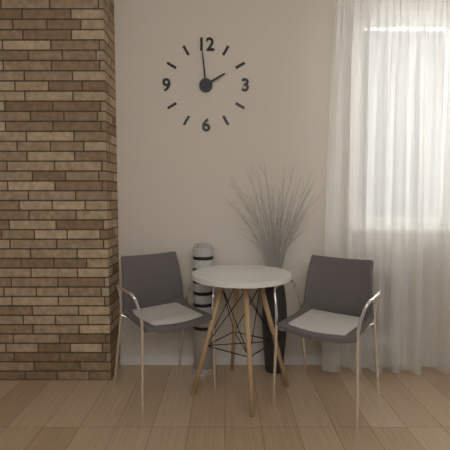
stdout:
{"hour": 1, "minute": 59}
